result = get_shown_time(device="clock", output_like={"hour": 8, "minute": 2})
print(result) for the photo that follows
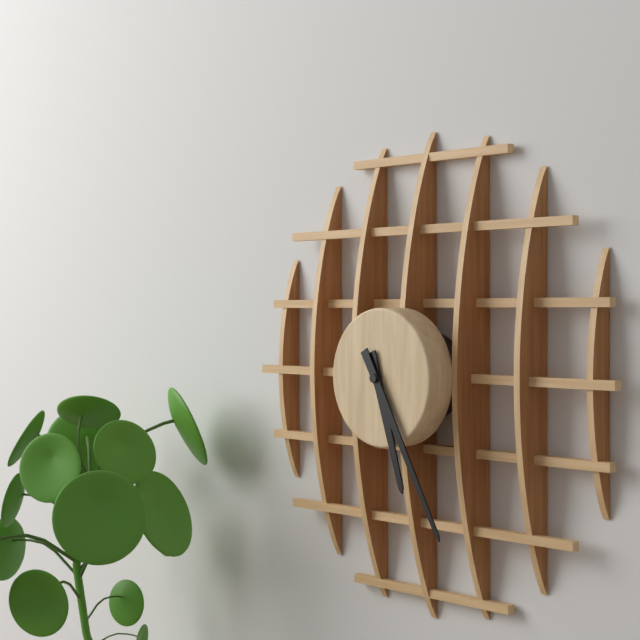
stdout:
{"hour": 5, "minute": 25}
